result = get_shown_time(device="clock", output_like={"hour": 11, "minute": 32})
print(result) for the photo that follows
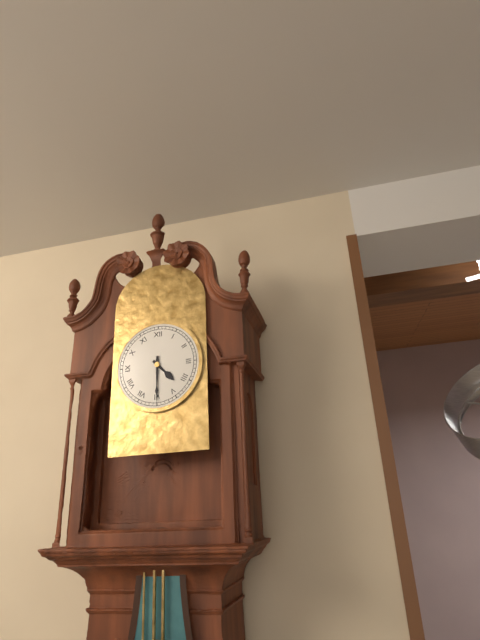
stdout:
{"hour": 4, "minute": 30}
